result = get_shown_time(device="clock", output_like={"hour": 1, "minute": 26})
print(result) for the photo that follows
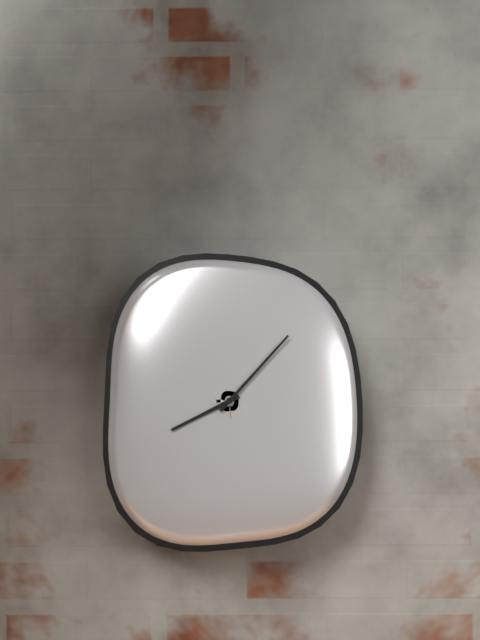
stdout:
{"hour": 8, "minute": 7}
